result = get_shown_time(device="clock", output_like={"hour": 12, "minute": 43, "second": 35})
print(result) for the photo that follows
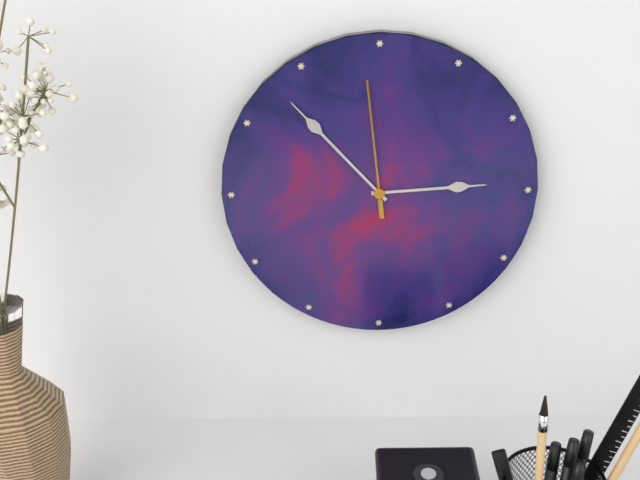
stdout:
{"hour": 2, "minute": 53, "second": 59}
